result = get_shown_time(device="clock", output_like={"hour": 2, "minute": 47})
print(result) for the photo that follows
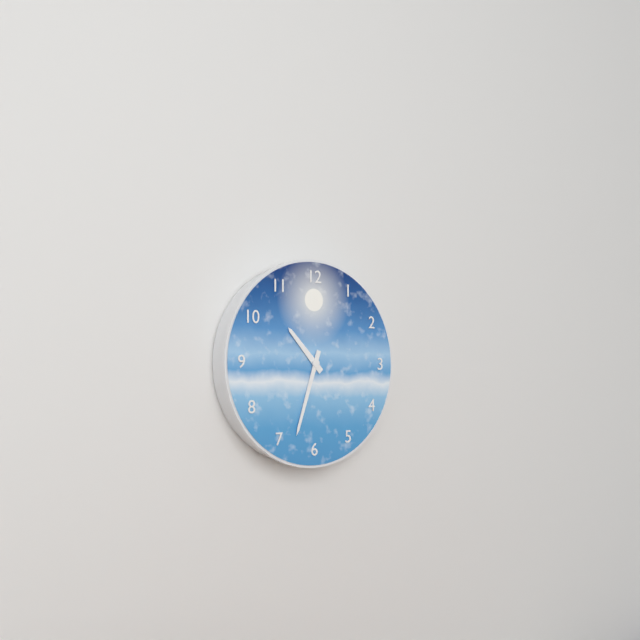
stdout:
{"hour": 10, "minute": 33}
